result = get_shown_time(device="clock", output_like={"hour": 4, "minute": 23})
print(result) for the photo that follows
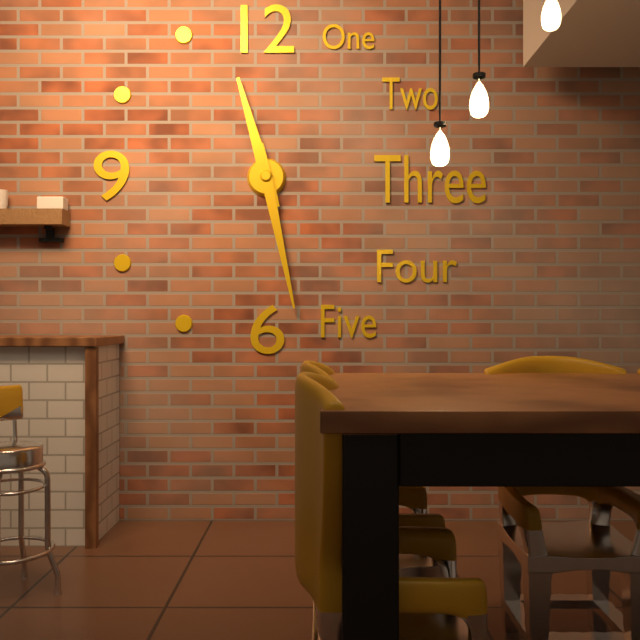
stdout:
{"hour": 11, "minute": 28}
